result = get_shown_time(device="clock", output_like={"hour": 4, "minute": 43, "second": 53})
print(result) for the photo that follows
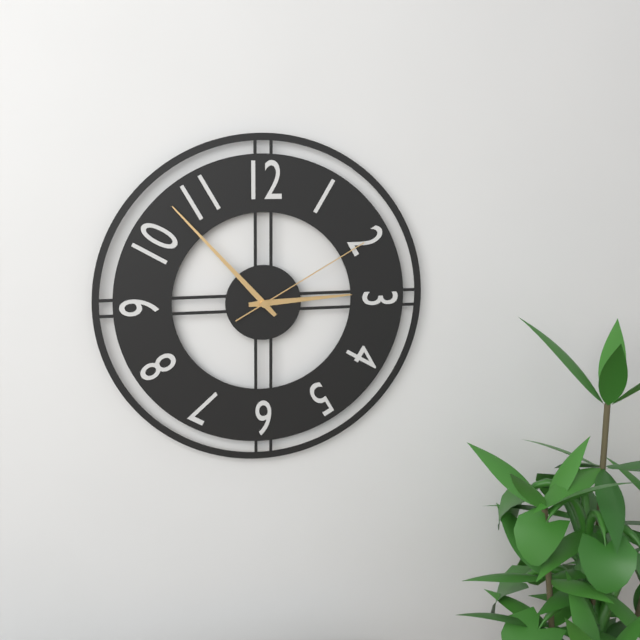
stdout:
{"hour": 2, "minute": 53, "second": 10}
